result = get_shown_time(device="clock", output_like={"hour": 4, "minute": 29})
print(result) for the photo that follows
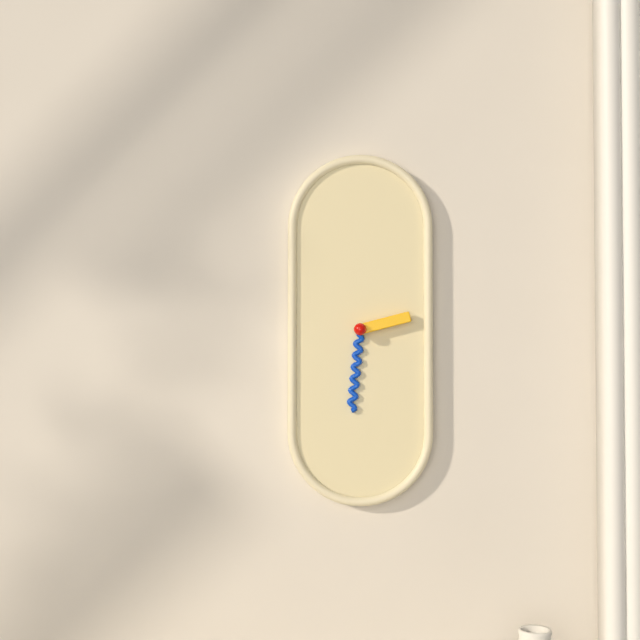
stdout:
{"hour": 2, "minute": 31}
